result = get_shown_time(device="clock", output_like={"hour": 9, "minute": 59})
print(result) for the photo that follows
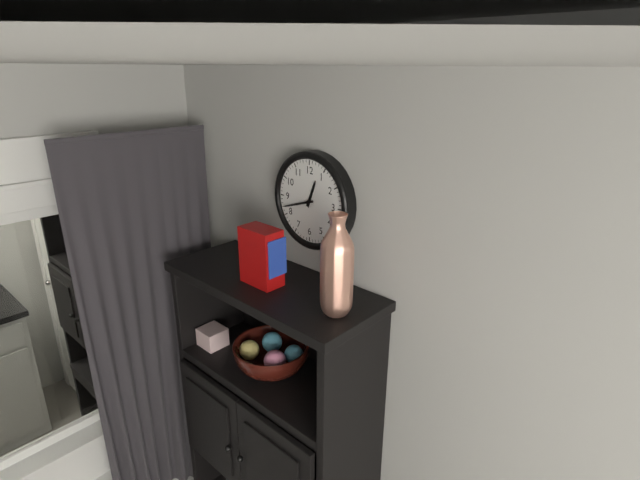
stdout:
{"hour": 12, "minute": 42}
